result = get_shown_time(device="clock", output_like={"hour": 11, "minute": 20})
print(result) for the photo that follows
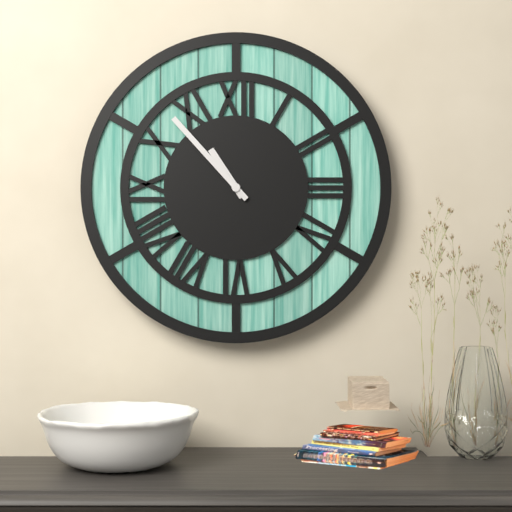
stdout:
{"hour": 10, "minute": 53}
